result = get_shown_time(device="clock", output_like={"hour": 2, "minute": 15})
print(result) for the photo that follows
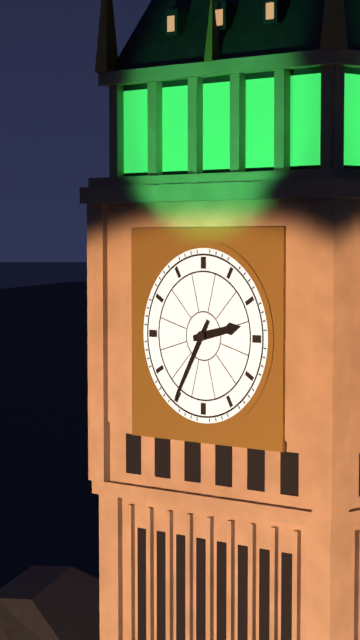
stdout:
{"hour": 2, "minute": 35}
